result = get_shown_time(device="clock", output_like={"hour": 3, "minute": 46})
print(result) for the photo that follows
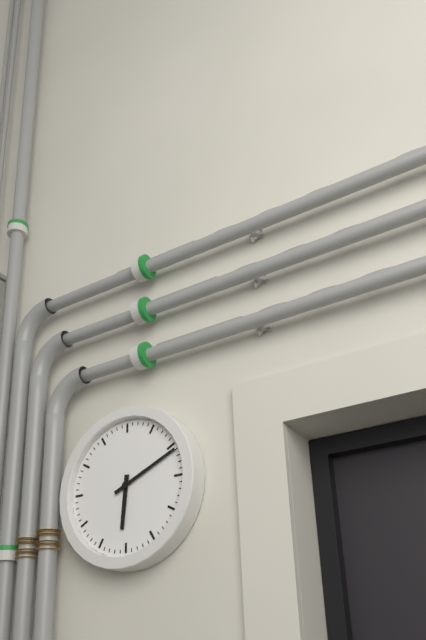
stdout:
{"hour": 6, "minute": 11}
